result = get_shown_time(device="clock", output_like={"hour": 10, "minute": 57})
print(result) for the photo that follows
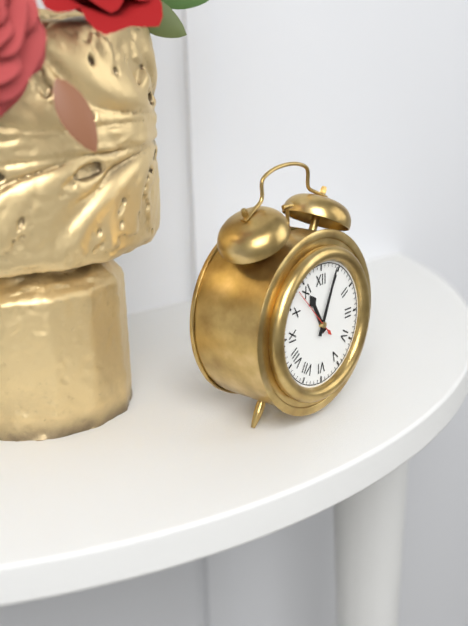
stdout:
{"hour": 11, "minute": 4}
